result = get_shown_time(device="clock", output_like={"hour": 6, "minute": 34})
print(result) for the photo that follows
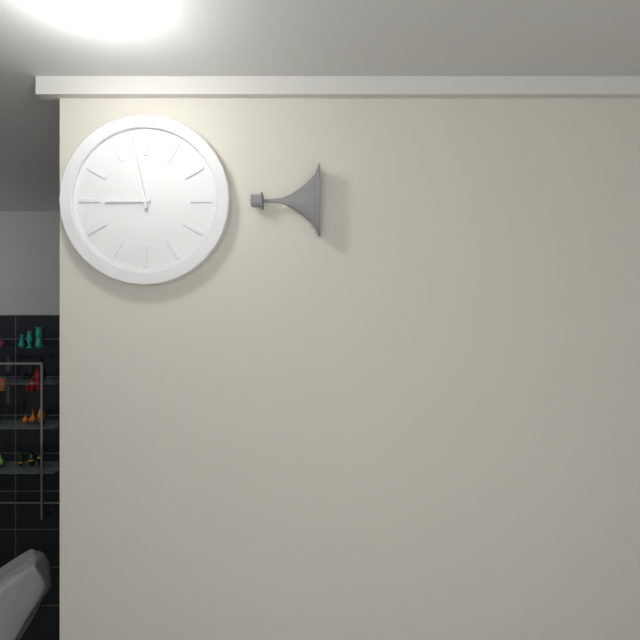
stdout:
{"hour": 8, "minute": 58}
